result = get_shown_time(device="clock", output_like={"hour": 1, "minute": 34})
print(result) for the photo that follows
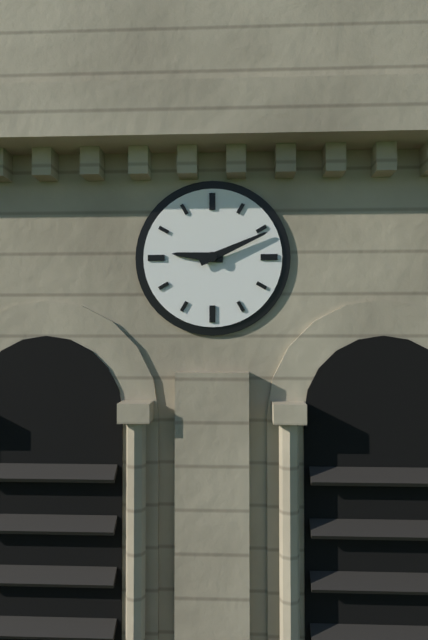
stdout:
{"hour": 9, "minute": 11}
